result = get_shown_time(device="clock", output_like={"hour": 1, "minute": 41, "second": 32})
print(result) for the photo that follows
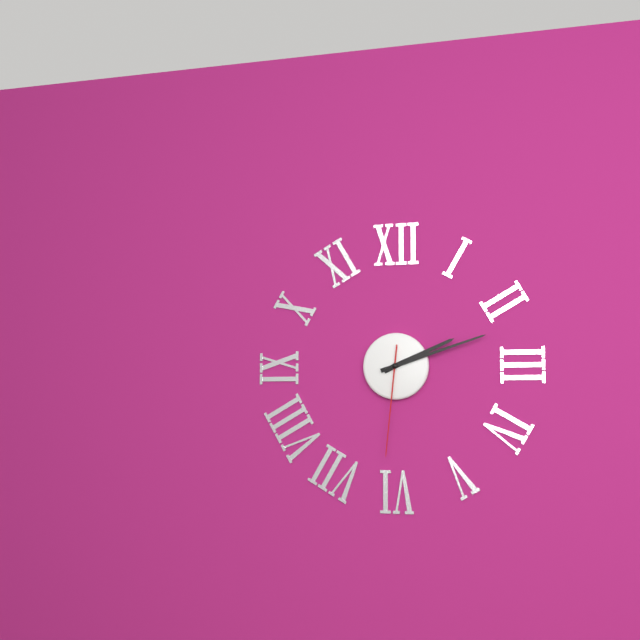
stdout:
{"hour": 2, "minute": 12, "second": 31}
